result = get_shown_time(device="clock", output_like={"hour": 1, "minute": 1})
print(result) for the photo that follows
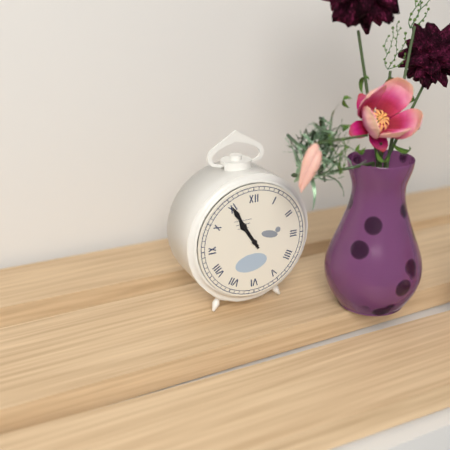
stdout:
{"hour": 10, "minute": 55}
